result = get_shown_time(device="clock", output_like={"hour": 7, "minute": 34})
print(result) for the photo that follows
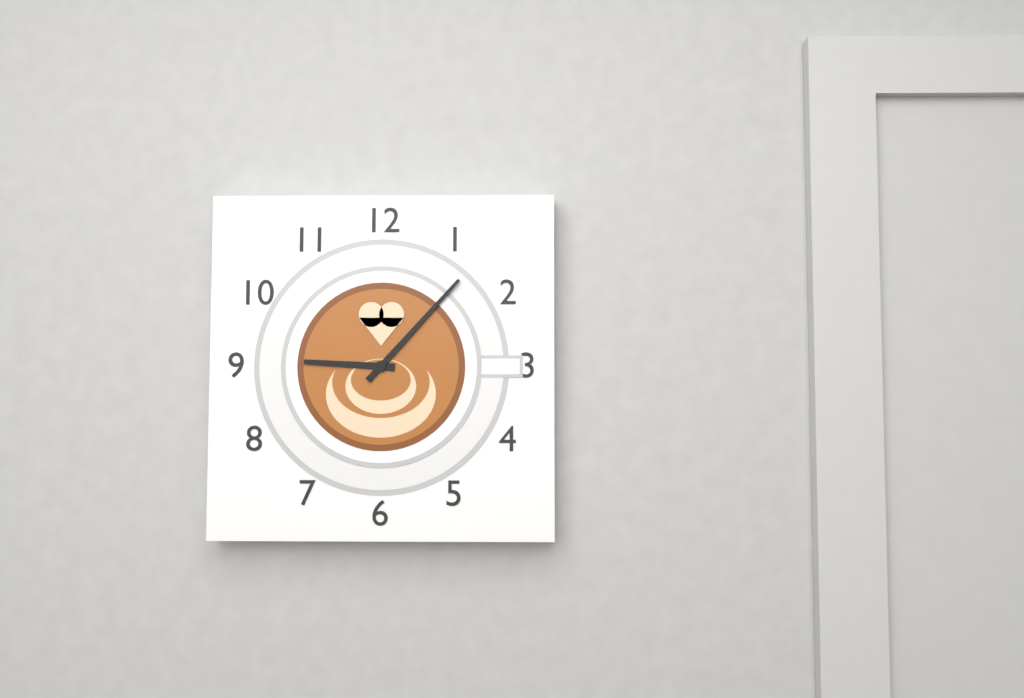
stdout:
{"hour": 9, "minute": 7}
